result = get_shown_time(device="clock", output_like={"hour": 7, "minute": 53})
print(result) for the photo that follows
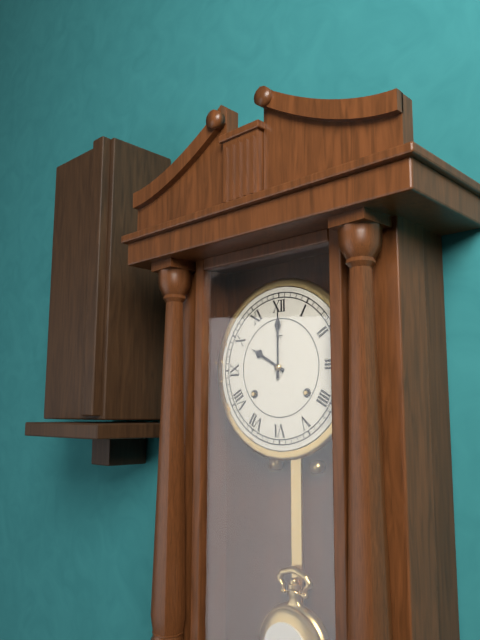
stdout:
{"hour": 10, "minute": 0}
